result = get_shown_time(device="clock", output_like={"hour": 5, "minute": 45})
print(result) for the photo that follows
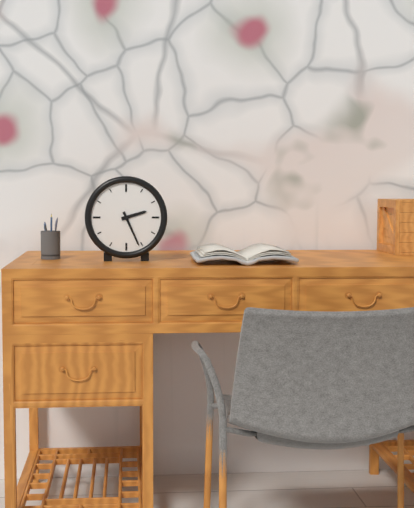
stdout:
{"hour": 2, "minute": 26}
